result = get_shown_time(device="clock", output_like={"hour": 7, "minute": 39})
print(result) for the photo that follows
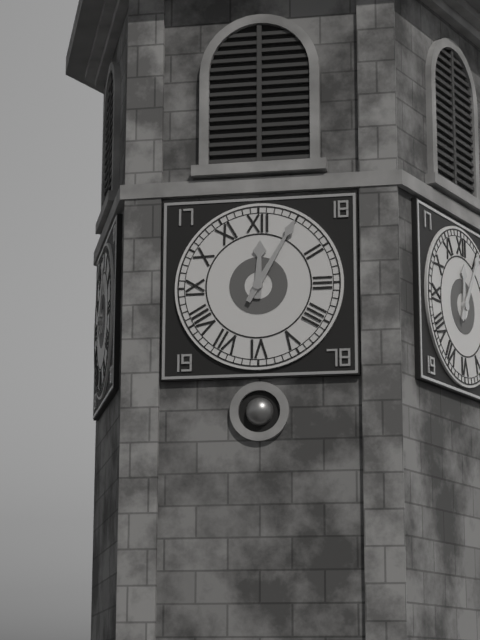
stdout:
{"hour": 12, "minute": 5}
